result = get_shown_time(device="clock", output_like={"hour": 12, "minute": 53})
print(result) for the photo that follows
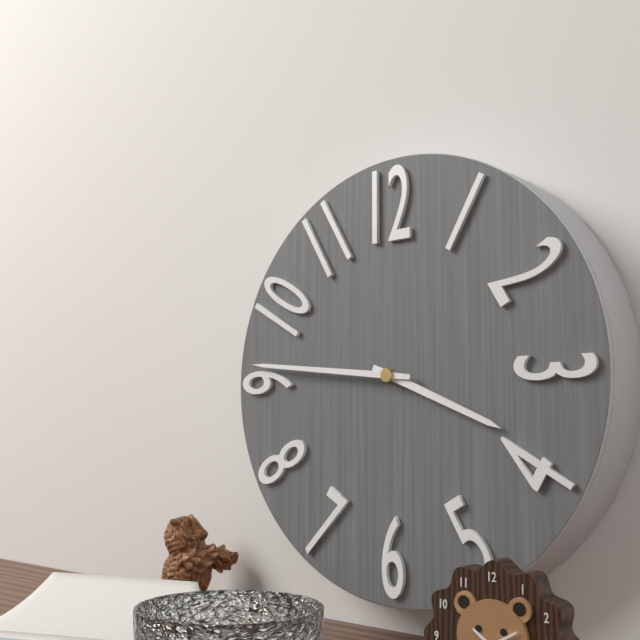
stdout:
{"hour": 3, "minute": 46}
